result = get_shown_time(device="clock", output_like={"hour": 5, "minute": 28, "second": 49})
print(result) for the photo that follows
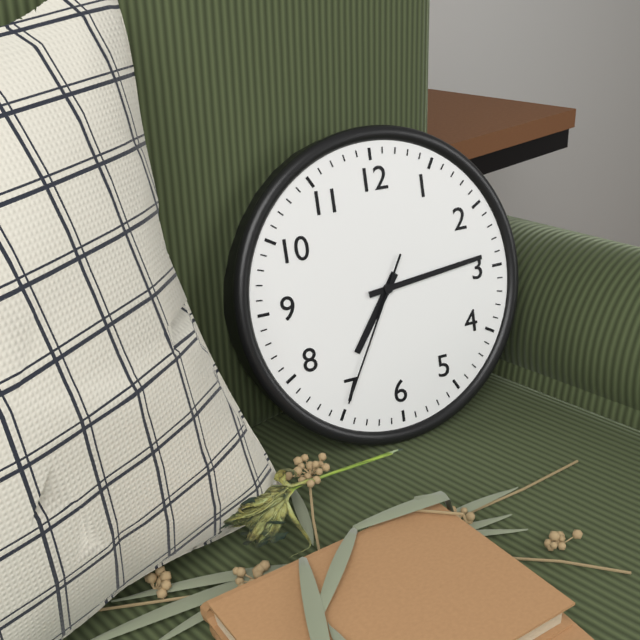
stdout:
{"hour": 7, "minute": 14, "second": 35}
